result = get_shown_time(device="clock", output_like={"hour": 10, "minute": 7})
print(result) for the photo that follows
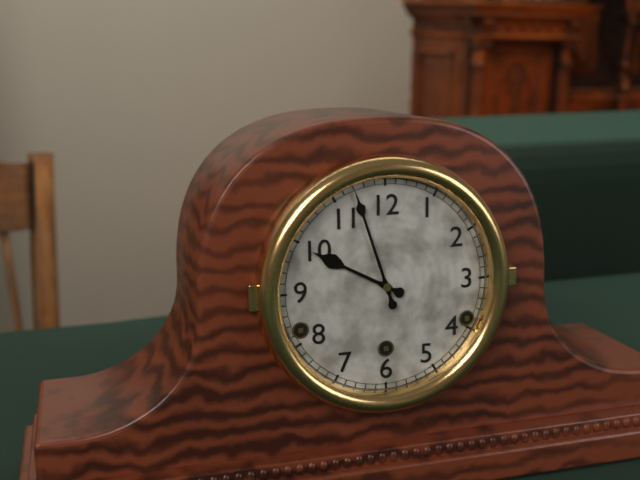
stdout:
{"hour": 9, "minute": 57}
